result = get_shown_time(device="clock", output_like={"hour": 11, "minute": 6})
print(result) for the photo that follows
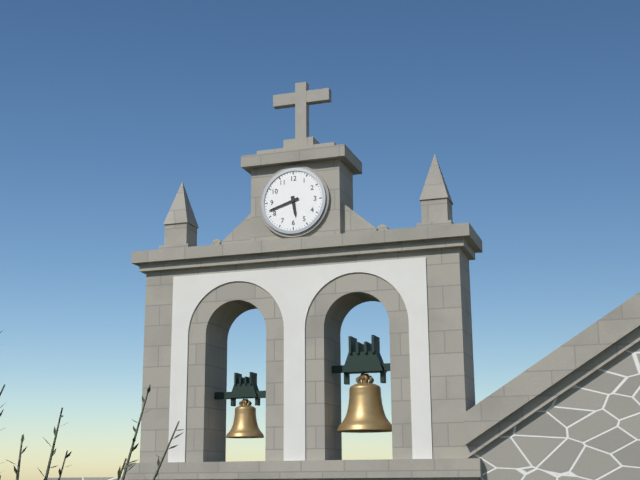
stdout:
{"hour": 5, "minute": 42}
